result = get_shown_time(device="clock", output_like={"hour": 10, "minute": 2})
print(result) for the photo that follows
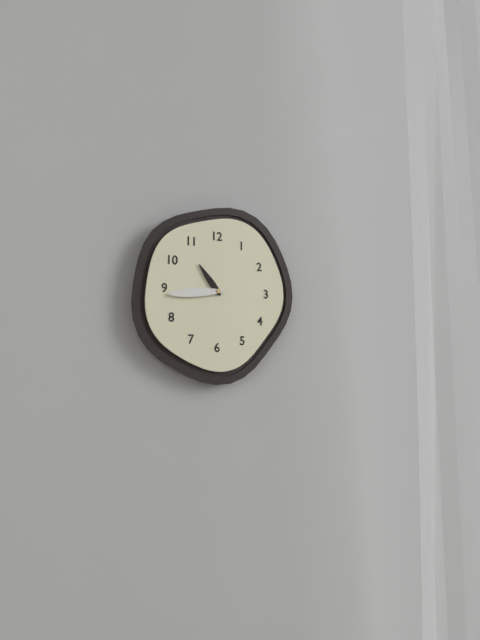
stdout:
{"hour": 10, "minute": 44}
